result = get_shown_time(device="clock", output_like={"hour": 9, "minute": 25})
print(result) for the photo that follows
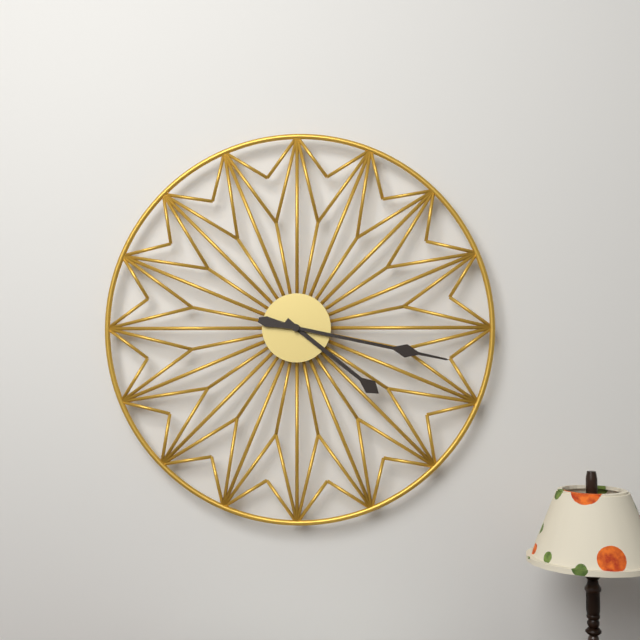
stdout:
{"hour": 4, "minute": 17}
